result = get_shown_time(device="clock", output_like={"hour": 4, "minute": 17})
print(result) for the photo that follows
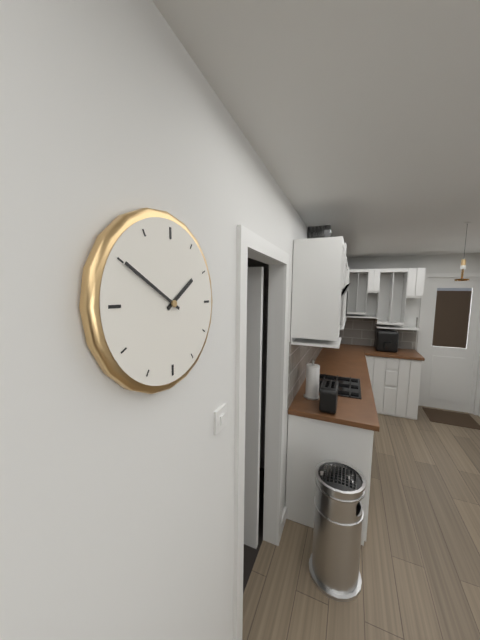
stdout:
{"hour": 1, "minute": 50}
